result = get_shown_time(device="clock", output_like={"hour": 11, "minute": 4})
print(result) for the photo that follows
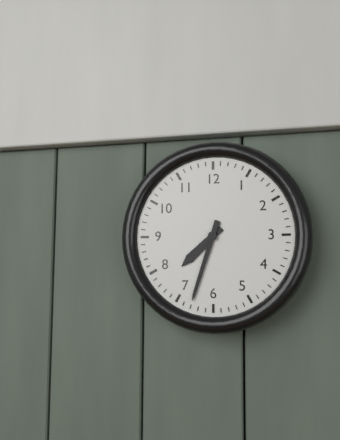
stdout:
{"hour": 7, "minute": 33}
